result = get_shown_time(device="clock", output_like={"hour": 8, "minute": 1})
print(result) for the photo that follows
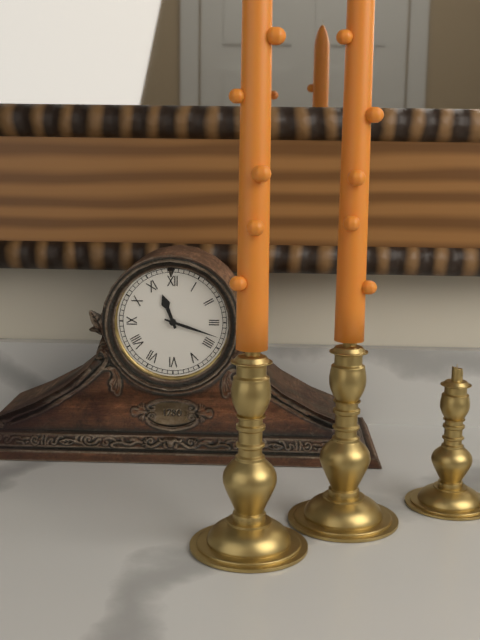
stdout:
{"hour": 11, "minute": 18}
